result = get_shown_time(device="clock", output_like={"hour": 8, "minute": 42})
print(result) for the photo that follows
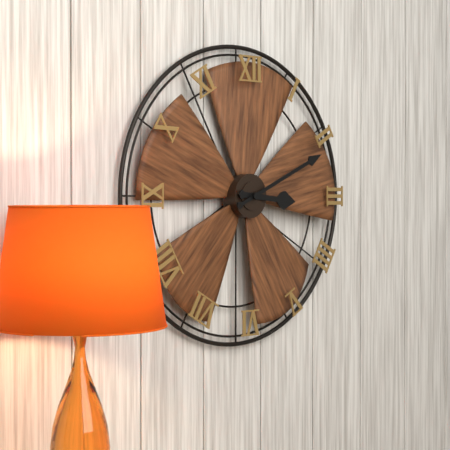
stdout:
{"hour": 3, "minute": 11}
